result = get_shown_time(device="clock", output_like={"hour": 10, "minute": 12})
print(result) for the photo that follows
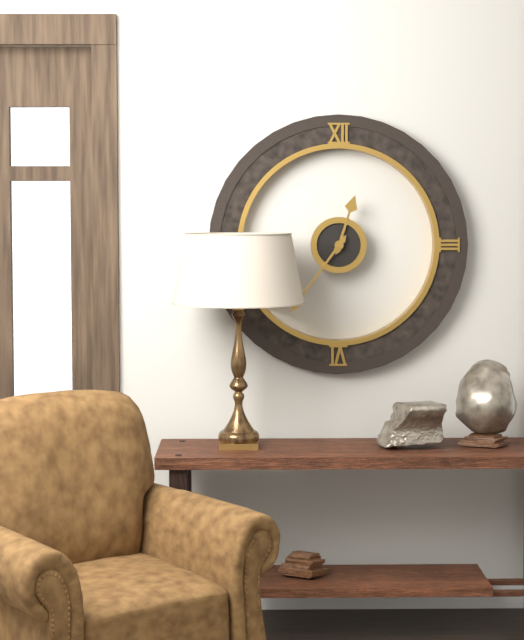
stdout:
{"hour": 12, "minute": 36}
